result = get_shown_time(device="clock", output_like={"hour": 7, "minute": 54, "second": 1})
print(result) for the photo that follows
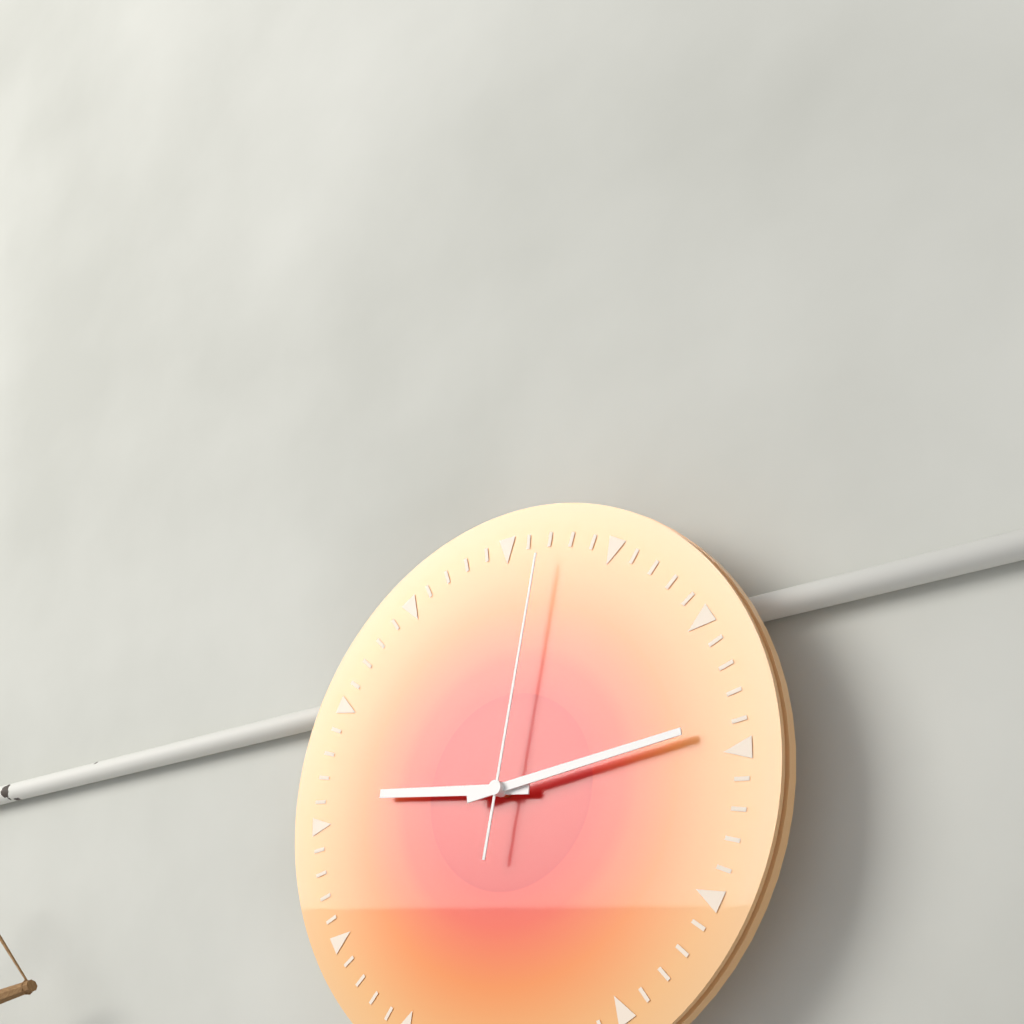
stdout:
{"hour": 9, "minute": 14, "second": 2}
